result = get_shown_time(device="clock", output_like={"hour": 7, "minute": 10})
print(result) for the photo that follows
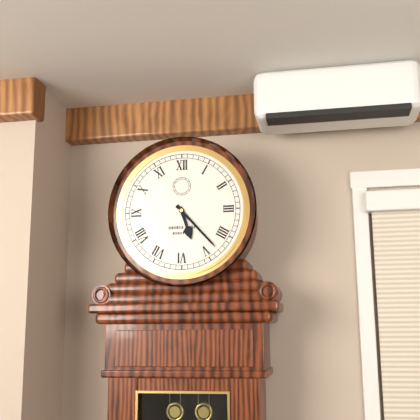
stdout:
{"hour": 5, "minute": 23}
